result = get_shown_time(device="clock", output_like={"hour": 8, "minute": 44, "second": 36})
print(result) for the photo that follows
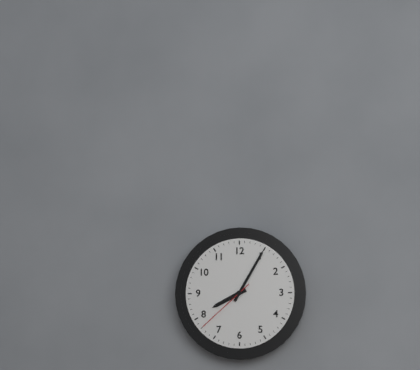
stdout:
{"hour": 8, "minute": 5, "second": 38}
